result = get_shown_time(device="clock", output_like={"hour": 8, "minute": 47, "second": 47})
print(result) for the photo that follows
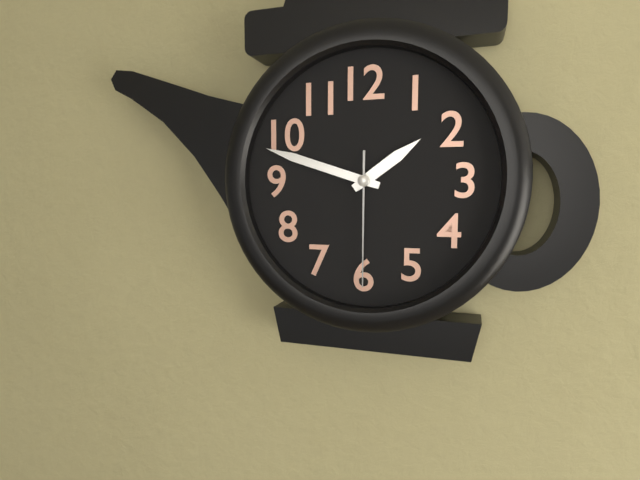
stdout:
{"hour": 1, "minute": 48, "second": 30}
